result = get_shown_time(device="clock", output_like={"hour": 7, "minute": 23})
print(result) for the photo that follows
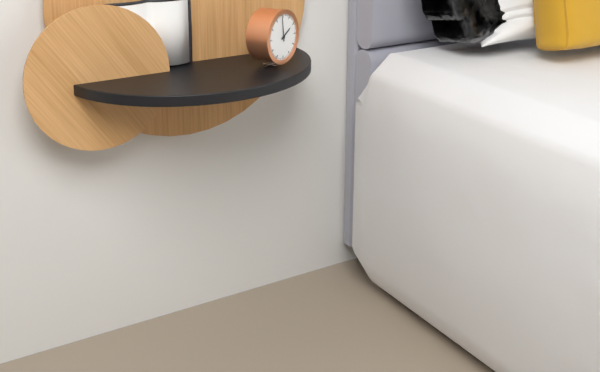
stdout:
{"hour": 1, "minute": 59}
